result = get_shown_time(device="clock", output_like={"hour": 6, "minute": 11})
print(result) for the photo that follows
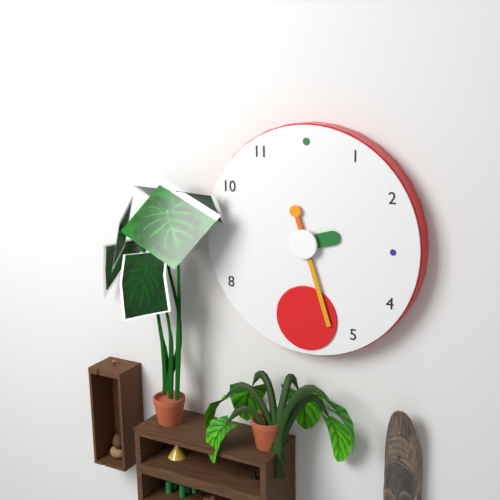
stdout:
{"hour": 2, "minute": 27}
